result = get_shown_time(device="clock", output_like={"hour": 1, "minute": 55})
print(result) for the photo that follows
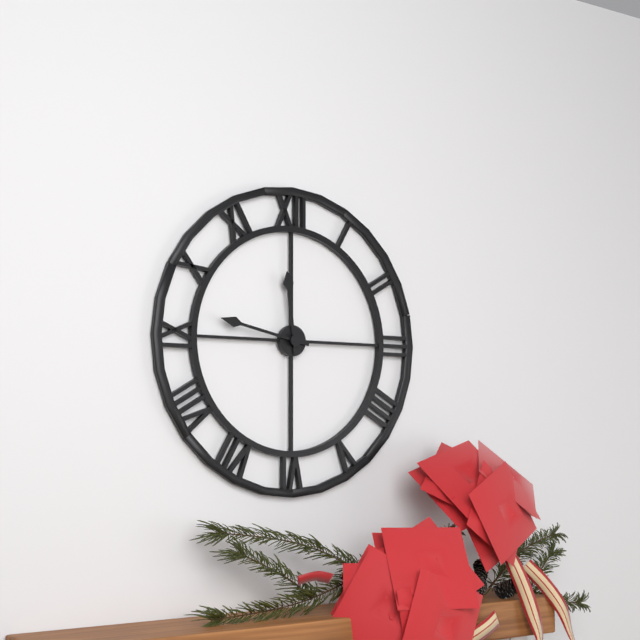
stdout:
{"hour": 11, "minute": 47}
